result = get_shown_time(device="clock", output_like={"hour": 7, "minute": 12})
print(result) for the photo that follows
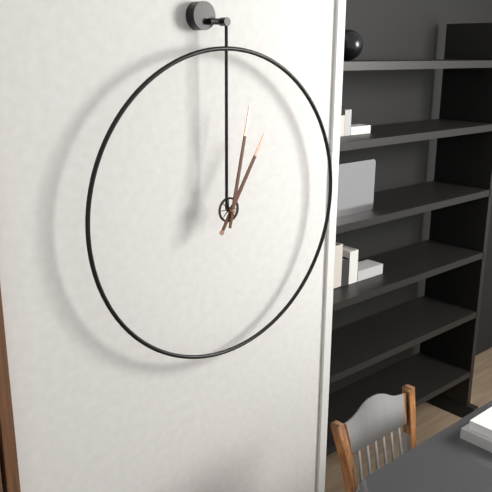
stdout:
{"hour": 1, "minute": 2}
